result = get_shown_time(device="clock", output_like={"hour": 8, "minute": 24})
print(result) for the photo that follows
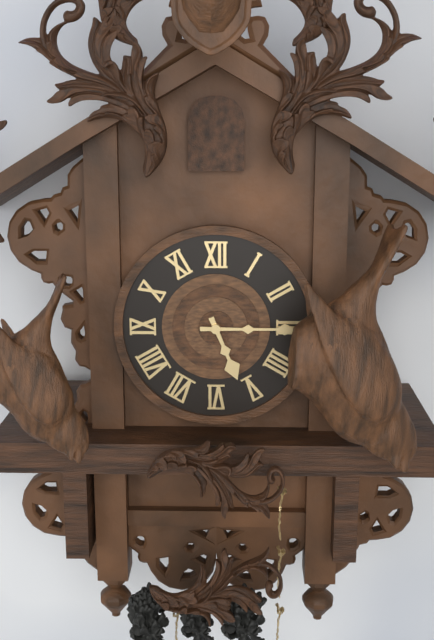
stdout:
{"hour": 5, "minute": 15}
